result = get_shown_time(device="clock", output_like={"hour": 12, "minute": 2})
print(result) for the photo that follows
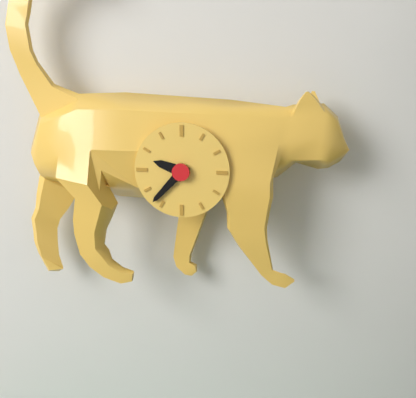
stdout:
{"hour": 9, "minute": 37}
